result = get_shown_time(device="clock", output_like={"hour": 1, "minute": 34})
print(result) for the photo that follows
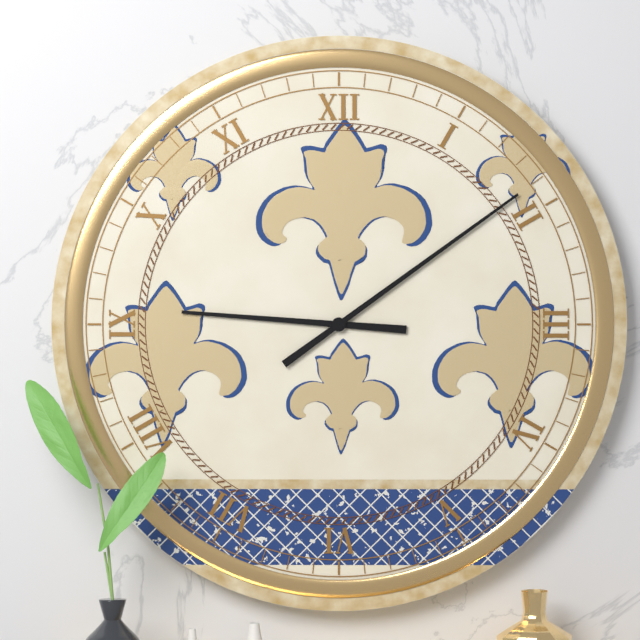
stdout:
{"hour": 9, "minute": 9}
